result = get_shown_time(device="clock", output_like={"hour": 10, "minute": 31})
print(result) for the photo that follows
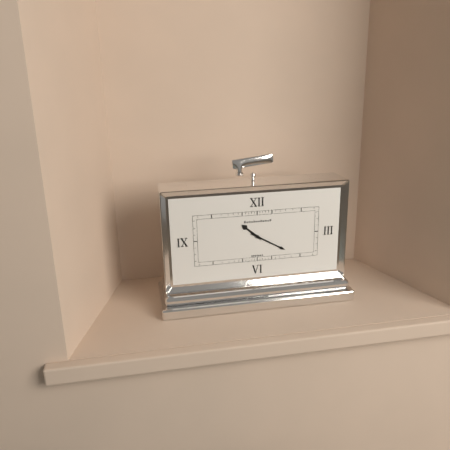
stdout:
{"hour": 10, "minute": 20}
